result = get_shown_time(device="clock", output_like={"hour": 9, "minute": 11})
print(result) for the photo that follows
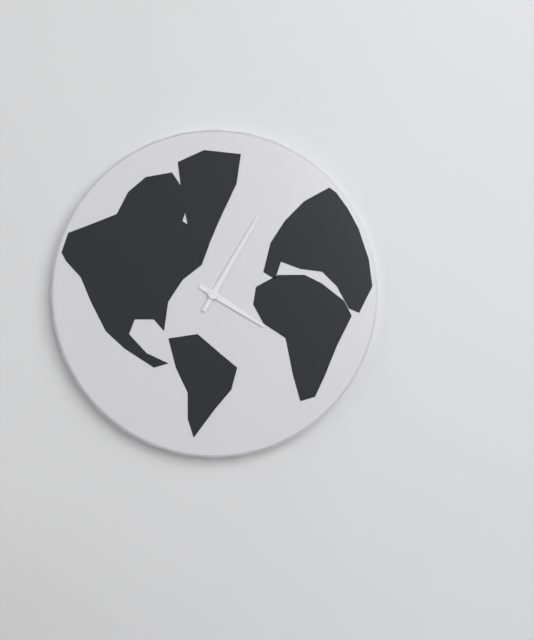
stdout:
{"hour": 4, "minute": 5}
